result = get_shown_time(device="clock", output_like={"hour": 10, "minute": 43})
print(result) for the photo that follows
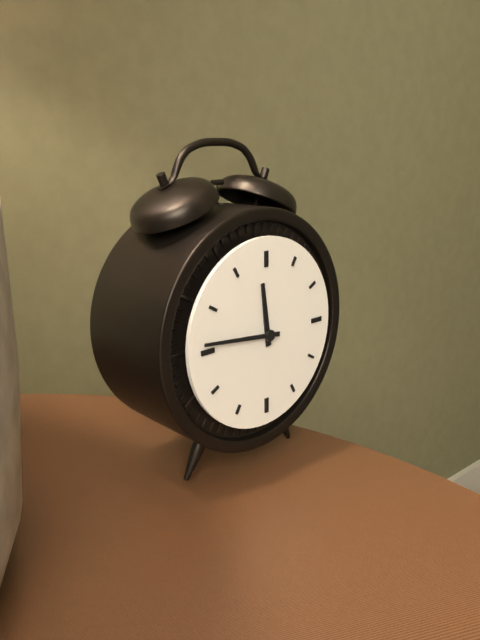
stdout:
{"hour": 11, "minute": 46}
